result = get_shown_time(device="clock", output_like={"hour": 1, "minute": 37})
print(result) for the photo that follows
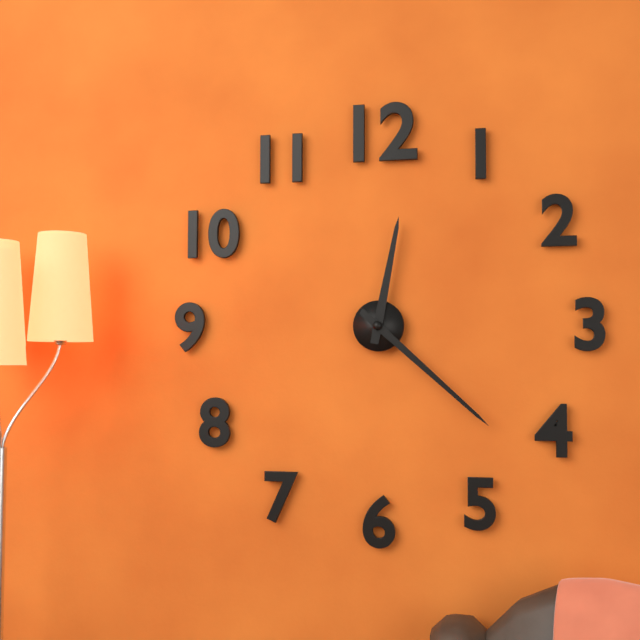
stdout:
{"hour": 12, "minute": 22}
